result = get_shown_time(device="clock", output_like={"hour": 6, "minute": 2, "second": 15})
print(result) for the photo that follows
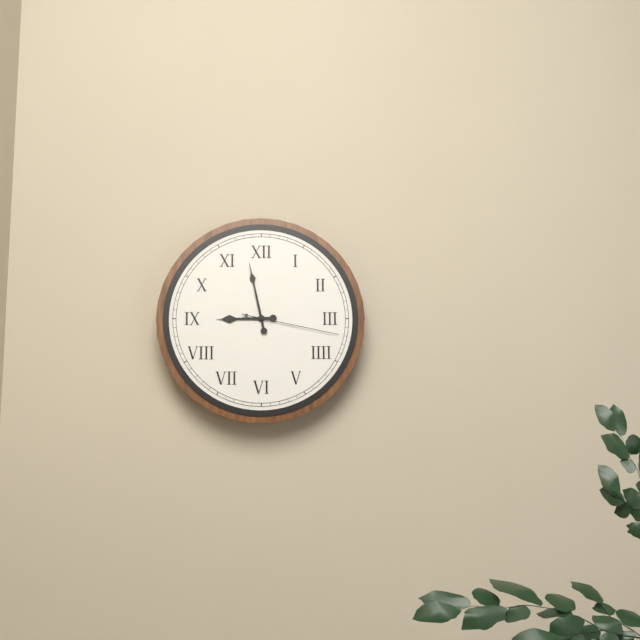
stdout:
{"hour": 8, "minute": 58, "second": 17}
